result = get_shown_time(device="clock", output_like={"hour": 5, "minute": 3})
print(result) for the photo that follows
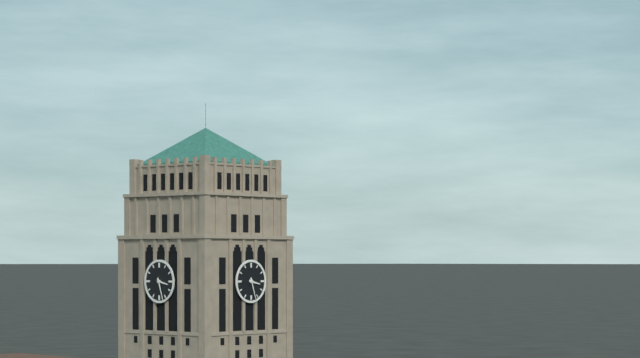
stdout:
{"hour": 3, "minute": 27}
